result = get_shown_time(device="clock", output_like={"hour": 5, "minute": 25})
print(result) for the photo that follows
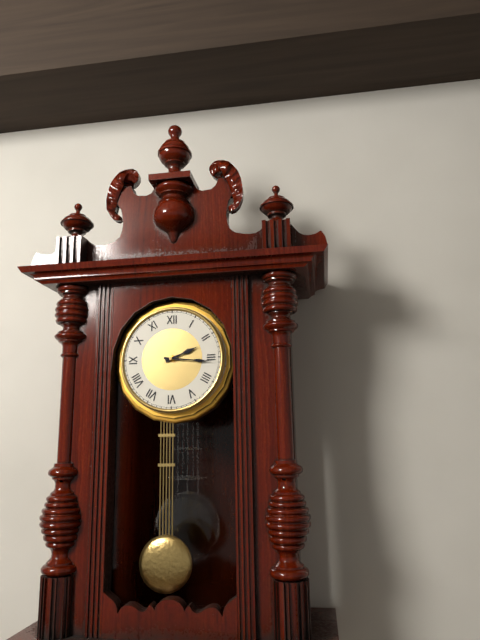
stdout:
{"hour": 2, "minute": 16}
